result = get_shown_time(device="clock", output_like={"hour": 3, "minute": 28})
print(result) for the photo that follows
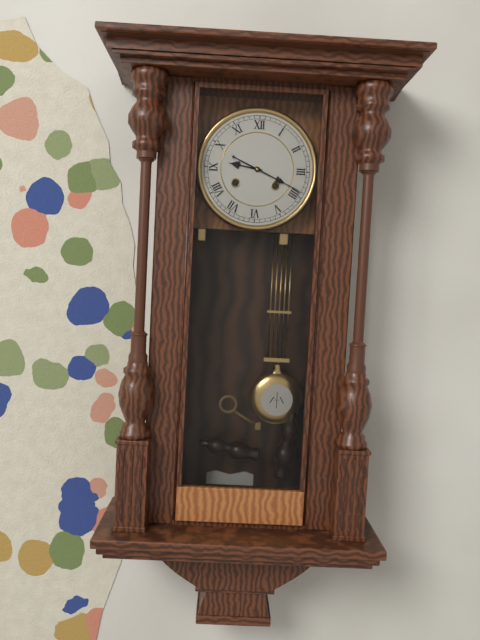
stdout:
{"hour": 9, "minute": 19}
